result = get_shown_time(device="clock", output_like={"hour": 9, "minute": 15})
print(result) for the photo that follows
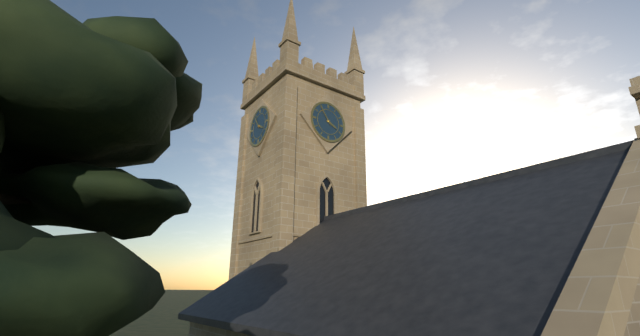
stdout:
{"hour": 3, "minute": 54}
